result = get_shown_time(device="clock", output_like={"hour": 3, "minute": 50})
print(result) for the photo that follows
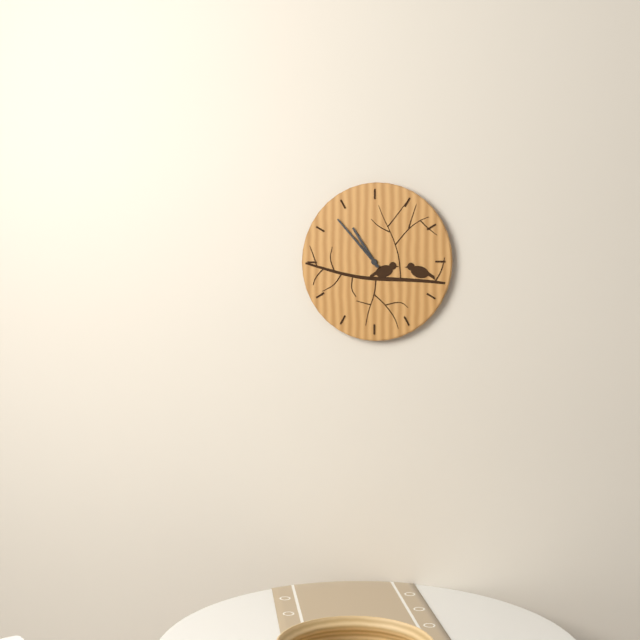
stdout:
{"hour": 10, "minute": 53}
